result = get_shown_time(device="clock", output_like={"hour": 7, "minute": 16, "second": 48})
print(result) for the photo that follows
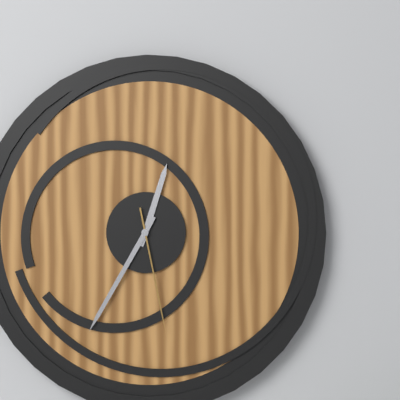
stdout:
{"hour": 12, "minute": 35, "second": 28}
